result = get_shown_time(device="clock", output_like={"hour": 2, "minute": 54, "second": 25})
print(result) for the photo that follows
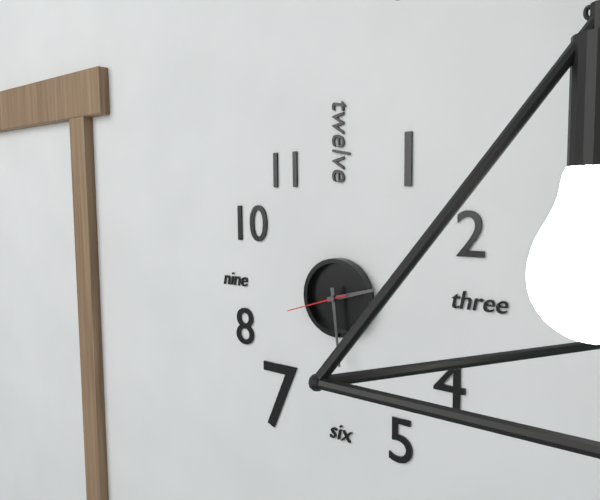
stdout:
{"hour": 2, "minute": 29, "second": 42}
